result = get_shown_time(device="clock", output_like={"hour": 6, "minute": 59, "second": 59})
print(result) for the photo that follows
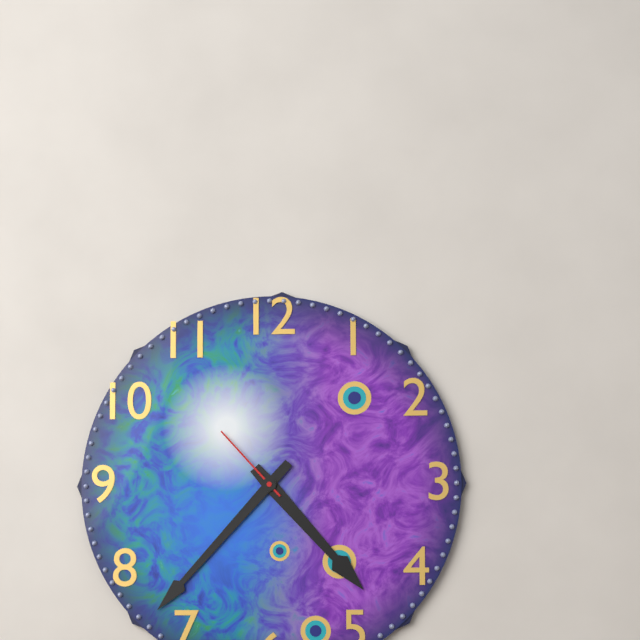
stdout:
{"hour": 4, "minute": 37, "second": 53}
